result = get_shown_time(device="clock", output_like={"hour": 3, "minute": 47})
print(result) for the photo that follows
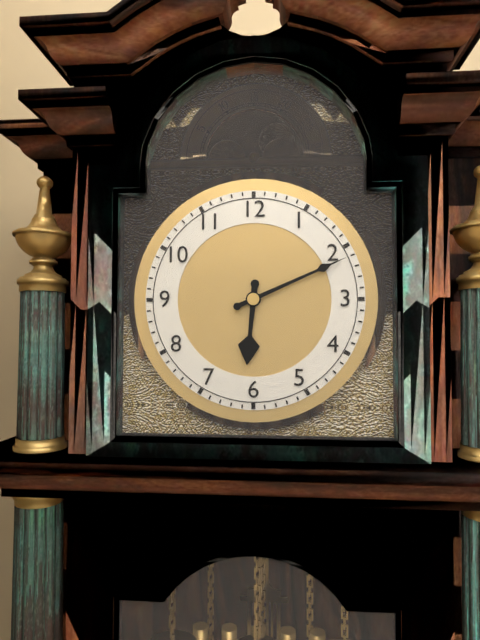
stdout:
{"hour": 6, "minute": 11}
